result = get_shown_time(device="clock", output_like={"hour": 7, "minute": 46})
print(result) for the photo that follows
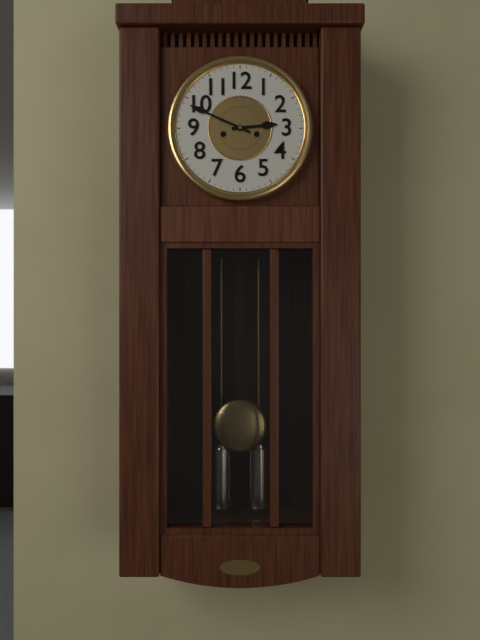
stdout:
{"hour": 2, "minute": 49}
